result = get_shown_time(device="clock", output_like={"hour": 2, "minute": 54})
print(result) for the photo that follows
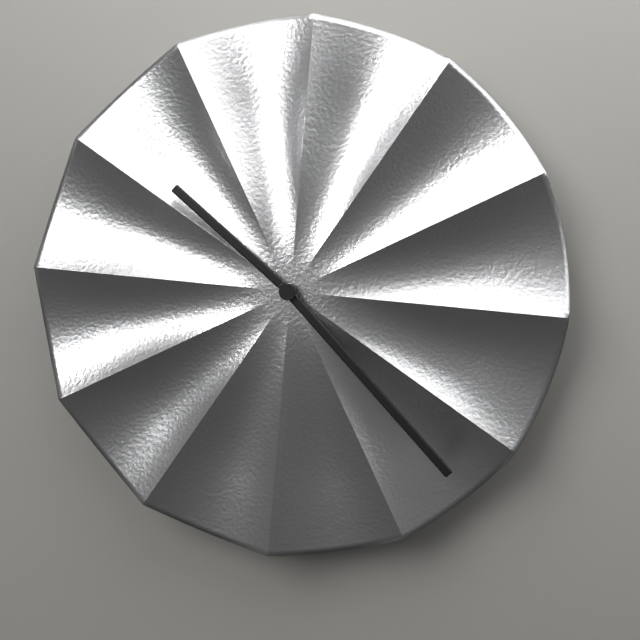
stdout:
{"hour": 10, "minute": 23}
